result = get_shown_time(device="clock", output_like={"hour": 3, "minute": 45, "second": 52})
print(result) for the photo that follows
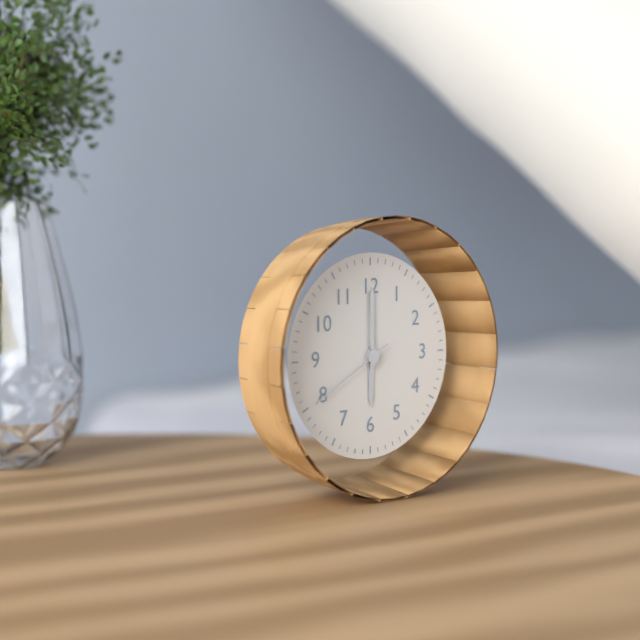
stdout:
{"hour": 6, "minute": 0, "second": 40}
